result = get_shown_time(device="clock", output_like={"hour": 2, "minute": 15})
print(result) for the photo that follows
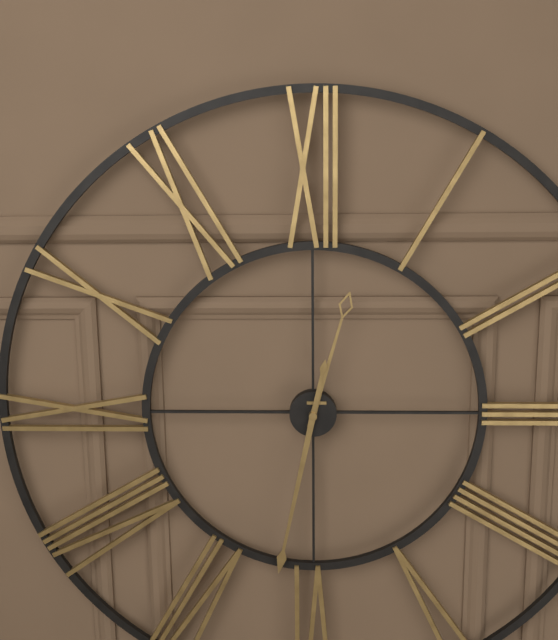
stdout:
{"hour": 12, "minute": 32}
